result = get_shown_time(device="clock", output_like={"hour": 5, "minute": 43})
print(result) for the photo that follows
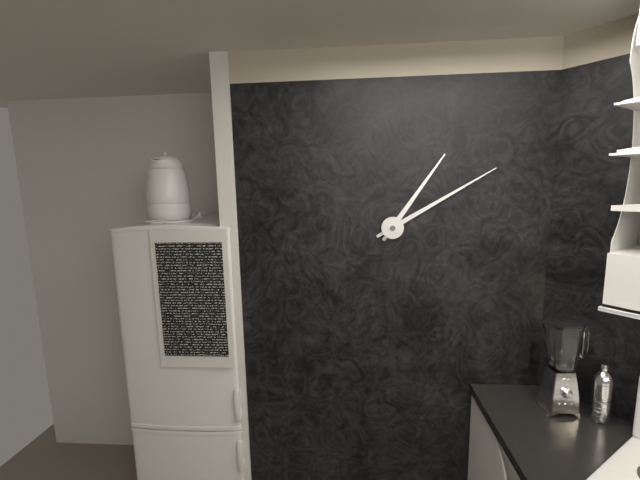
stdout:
{"hour": 1, "minute": 10}
